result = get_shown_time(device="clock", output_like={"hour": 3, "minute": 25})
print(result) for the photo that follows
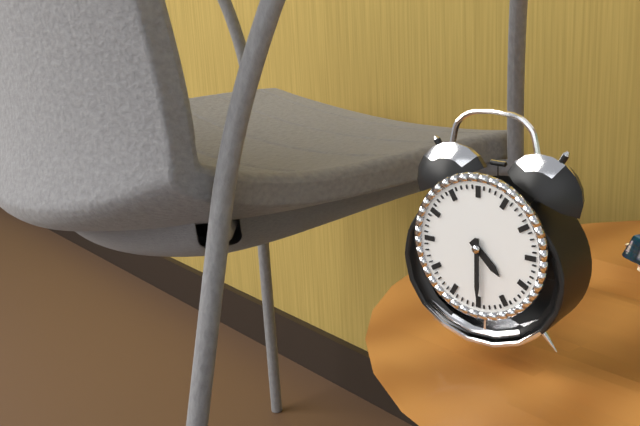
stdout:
{"hour": 4, "minute": 30}
